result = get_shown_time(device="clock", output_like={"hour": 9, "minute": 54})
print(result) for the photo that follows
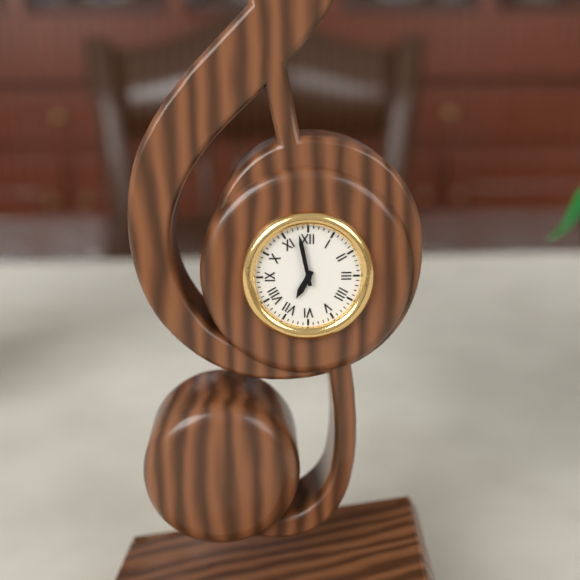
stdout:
{"hour": 6, "minute": 58}
